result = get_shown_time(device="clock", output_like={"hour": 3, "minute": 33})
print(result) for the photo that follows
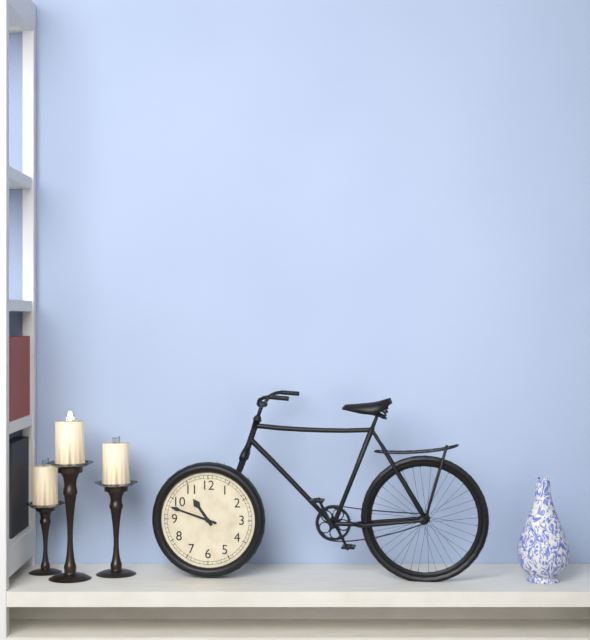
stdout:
{"hour": 10, "minute": 48}
